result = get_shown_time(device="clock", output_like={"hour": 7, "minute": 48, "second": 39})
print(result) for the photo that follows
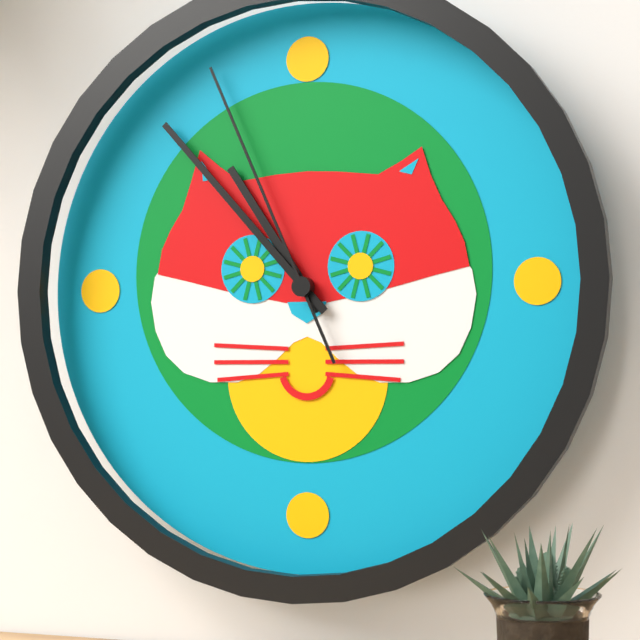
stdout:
{"hour": 10, "minute": 53, "second": 56}
